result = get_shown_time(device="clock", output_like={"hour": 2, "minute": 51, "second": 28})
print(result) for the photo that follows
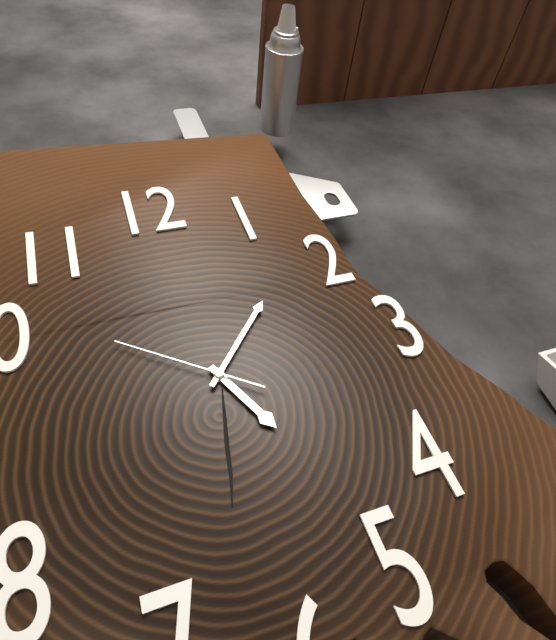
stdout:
{"hour": 5, "minute": 7, "second": 51}
